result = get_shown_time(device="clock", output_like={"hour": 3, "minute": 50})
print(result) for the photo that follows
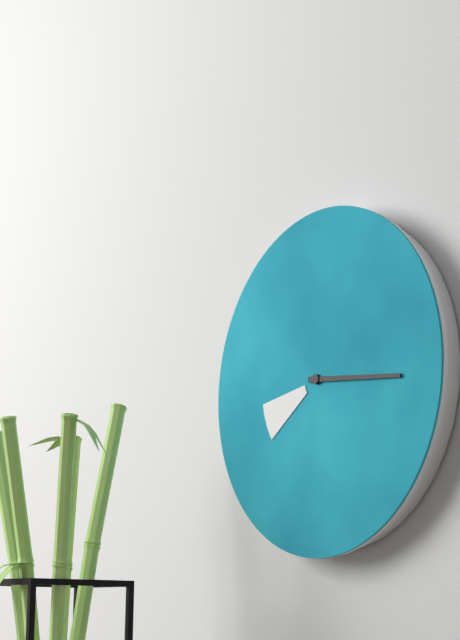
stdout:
{"hour": 8, "minute": 16}
